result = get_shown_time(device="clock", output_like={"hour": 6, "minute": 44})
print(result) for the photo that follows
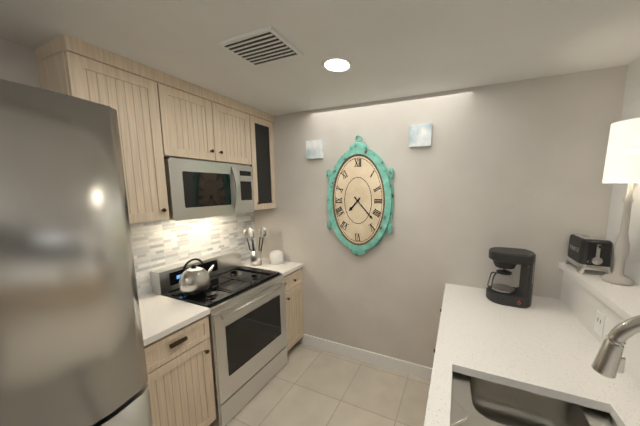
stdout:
{"hour": 7, "minute": 23}
